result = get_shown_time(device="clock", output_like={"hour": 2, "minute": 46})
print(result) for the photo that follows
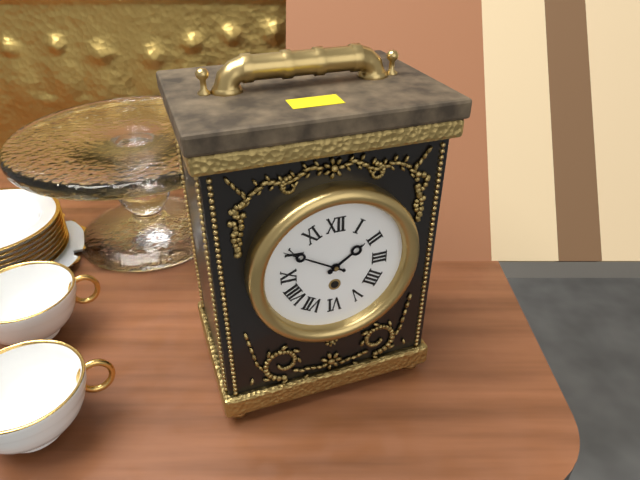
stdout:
{"hour": 1, "minute": 50}
